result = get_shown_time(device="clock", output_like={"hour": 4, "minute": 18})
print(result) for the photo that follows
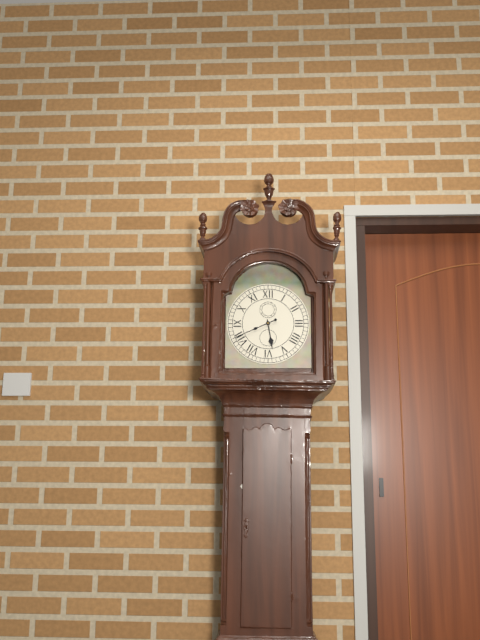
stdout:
{"hour": 5, "minute": 41}
